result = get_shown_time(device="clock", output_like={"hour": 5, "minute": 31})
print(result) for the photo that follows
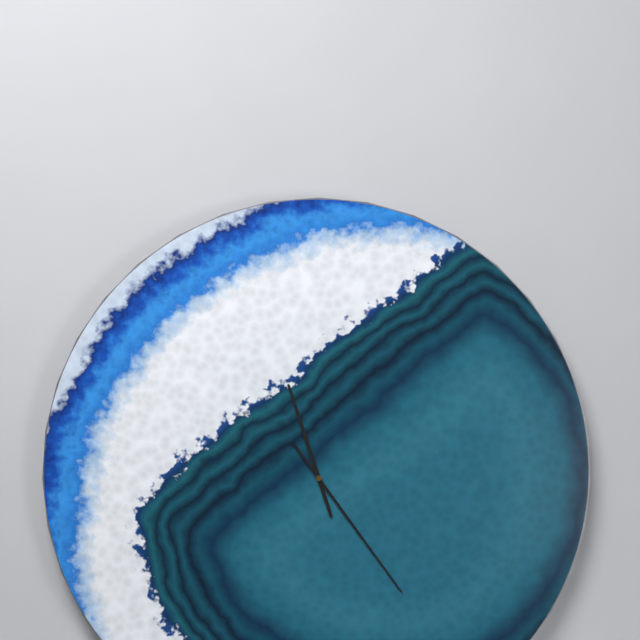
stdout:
{"hour": 11, "minute": 24}
